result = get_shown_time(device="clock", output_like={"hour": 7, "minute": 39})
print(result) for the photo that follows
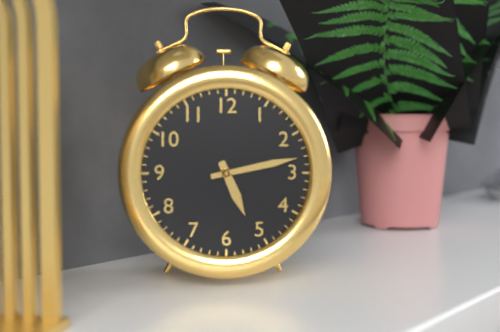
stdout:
{"hour": 5, "minute": 13}
